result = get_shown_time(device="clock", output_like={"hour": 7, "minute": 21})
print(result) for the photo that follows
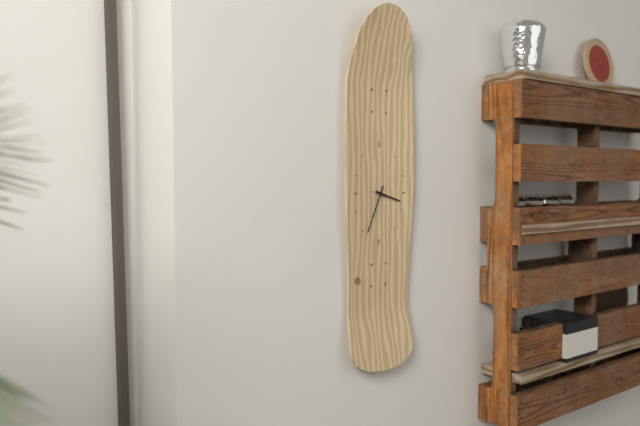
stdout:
{"hour": 3, "minute": 34}
